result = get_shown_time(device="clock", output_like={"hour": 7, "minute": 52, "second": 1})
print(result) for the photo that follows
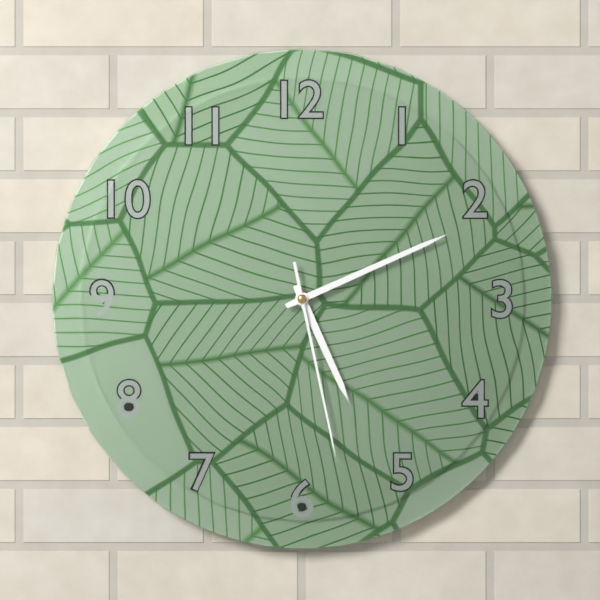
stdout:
{"hour": 5, "minute": 11, "second": 28}
